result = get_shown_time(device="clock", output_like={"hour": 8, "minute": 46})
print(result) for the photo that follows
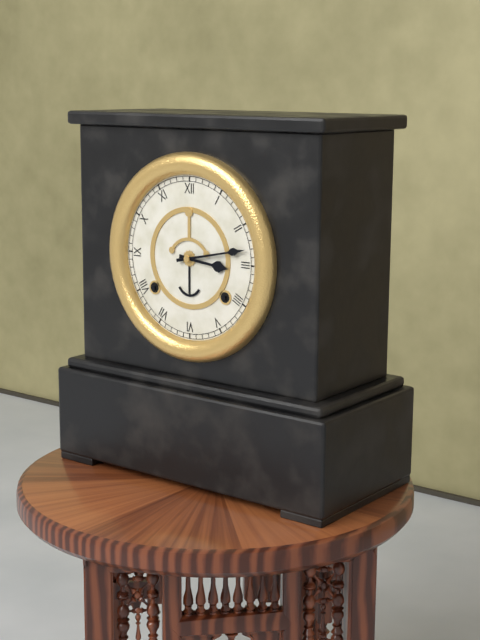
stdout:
{"hour": 3, "minute": 13}
